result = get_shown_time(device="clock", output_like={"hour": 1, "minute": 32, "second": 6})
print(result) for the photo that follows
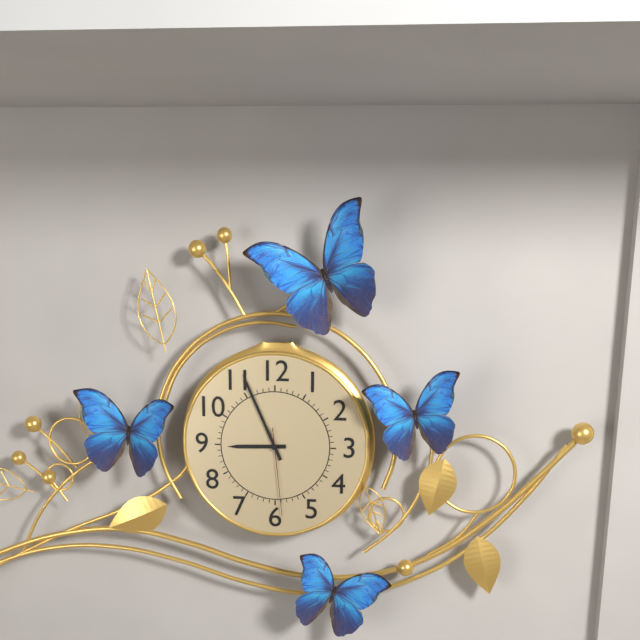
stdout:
{"hour": 8, "minute": 56, "second": 29}
